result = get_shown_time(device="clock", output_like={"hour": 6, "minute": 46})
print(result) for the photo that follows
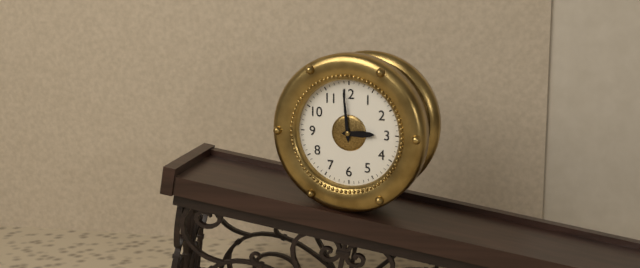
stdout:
{"hour": 2, "minute": 59}
